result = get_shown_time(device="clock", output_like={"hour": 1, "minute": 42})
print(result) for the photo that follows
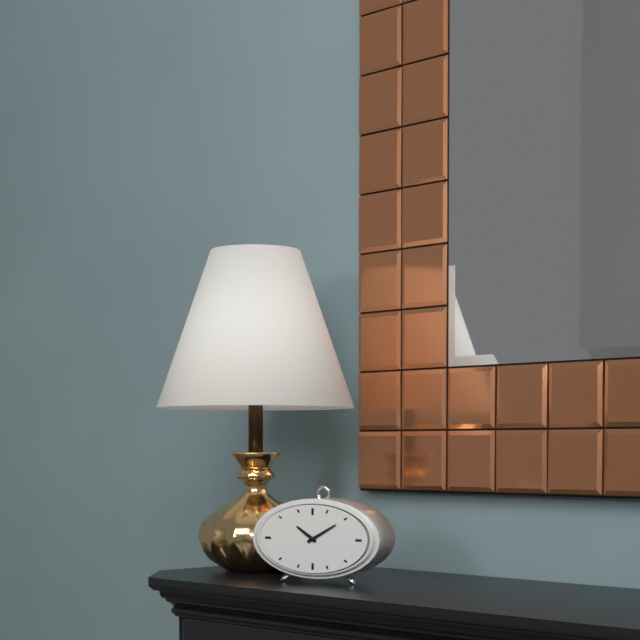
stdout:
{"hour": 10, "minute": 10}
